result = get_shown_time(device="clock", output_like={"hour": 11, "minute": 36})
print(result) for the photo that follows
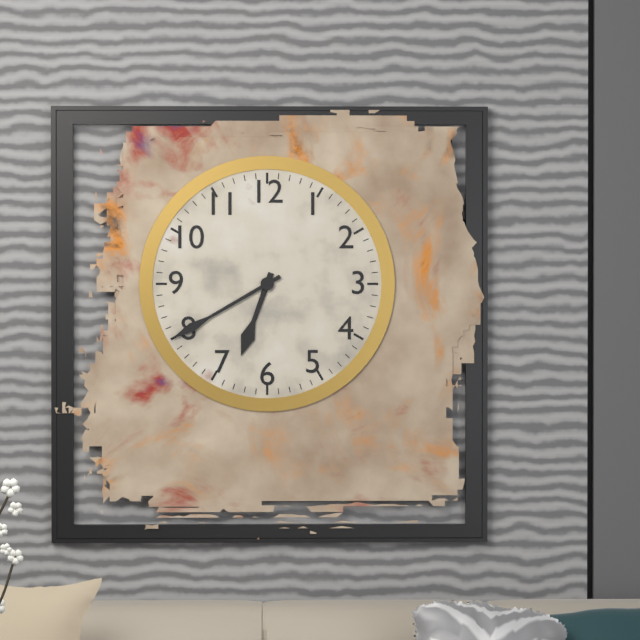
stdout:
{"hour": 6, "minute": 40}
